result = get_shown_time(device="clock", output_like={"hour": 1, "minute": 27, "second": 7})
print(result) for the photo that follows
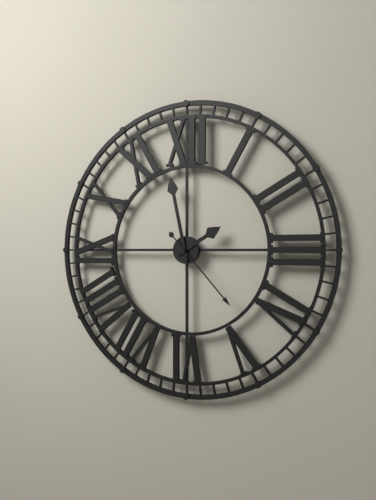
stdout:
{"hour": 1, "minute": 58, "second": 23}
